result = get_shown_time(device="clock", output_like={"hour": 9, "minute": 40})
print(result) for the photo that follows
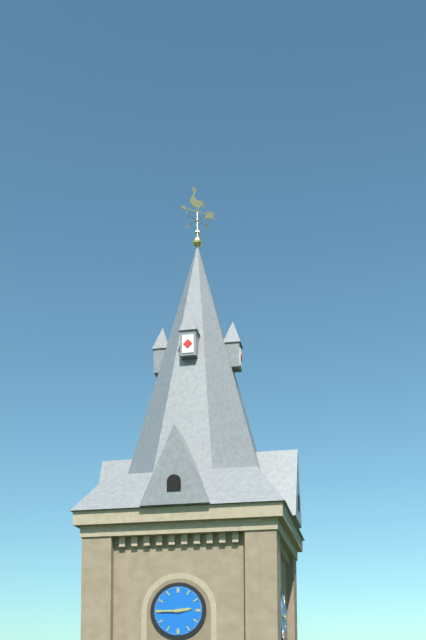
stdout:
{"hour": 2, "minute": 45}
